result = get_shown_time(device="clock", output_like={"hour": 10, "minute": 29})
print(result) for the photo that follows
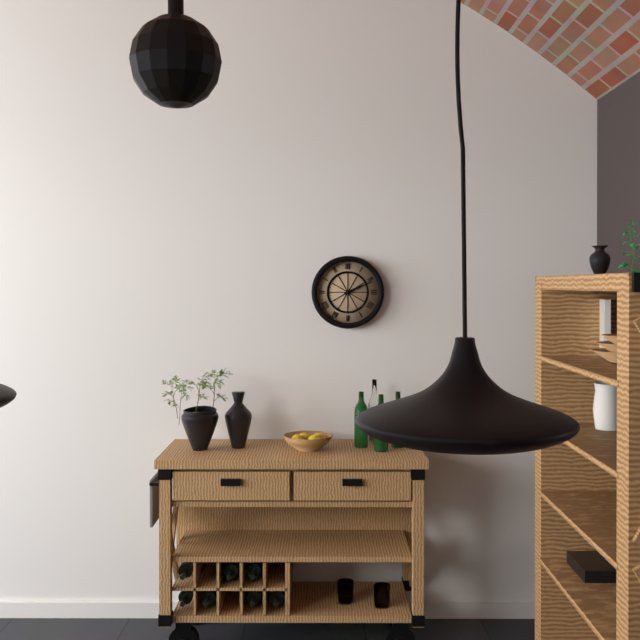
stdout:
{"hour": 2, "minute": 11}
